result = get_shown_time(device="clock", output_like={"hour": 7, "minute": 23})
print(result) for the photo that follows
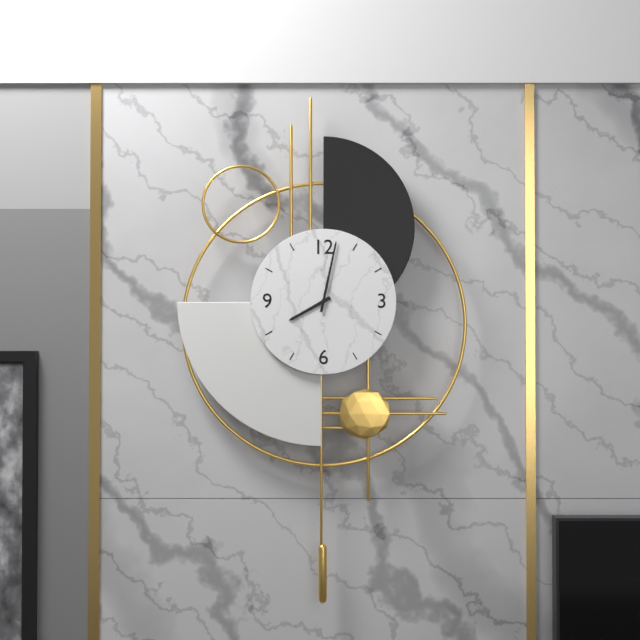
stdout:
{"hour": 8, "minute": 2}
